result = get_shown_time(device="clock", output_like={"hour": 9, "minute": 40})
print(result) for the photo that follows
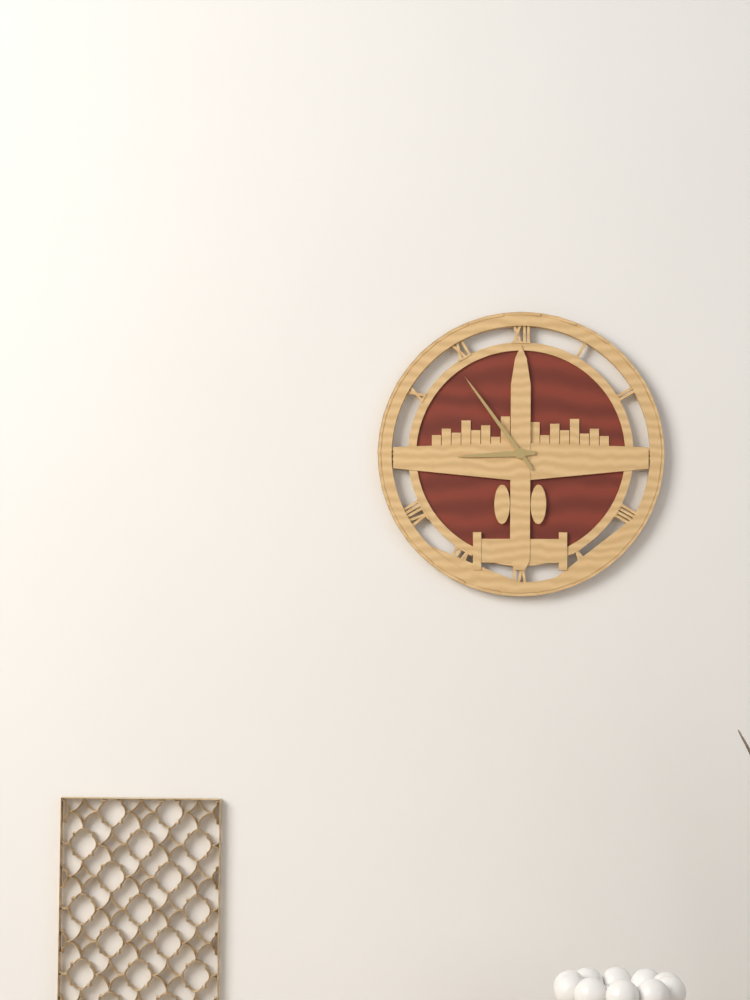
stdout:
{"hour": 8, "minute": 54}
